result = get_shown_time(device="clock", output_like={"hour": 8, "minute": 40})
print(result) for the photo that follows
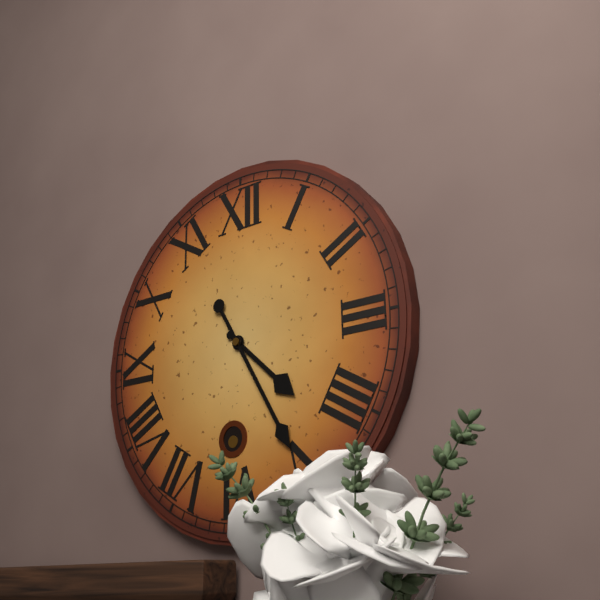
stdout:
{"hour": 4, "minute": 25}
